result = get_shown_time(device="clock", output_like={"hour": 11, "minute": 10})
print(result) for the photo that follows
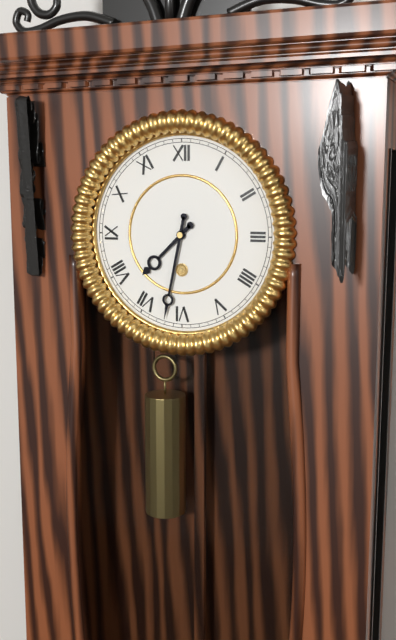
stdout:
{"hour": 7, "minute": 32}
